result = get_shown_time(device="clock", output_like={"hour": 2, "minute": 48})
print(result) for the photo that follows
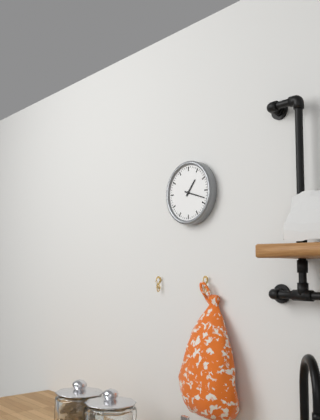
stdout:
{"hour": 1, "minute": 18}
